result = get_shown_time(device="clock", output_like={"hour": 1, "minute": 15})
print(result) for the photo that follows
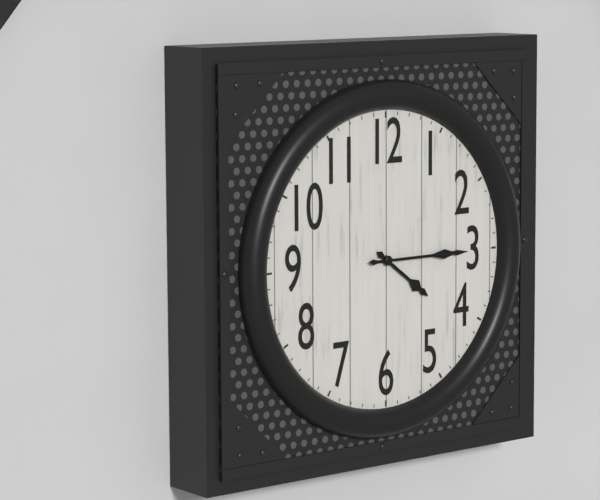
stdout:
{"hour": 4, "minute": 15}
